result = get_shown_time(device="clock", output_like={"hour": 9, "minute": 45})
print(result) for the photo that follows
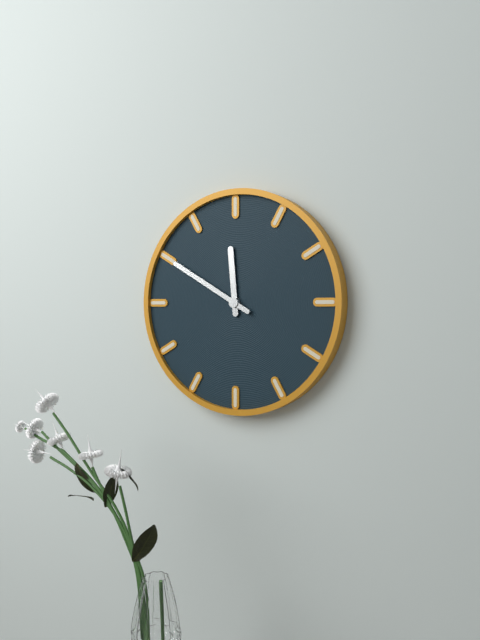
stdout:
{"hour": 11, "minute": 50}
